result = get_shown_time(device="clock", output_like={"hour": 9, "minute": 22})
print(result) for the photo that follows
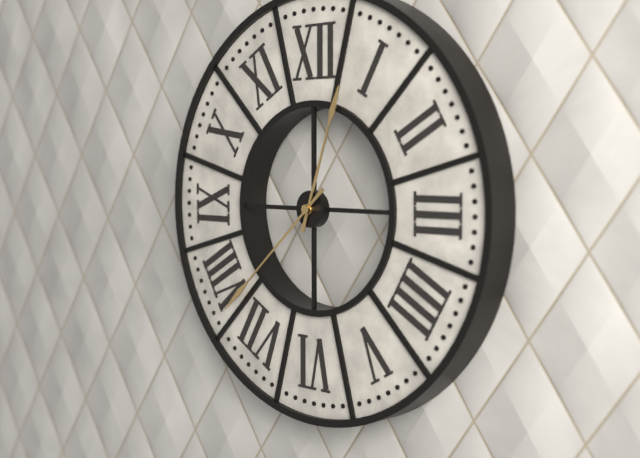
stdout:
{"hour": 12, "minute": 38}
